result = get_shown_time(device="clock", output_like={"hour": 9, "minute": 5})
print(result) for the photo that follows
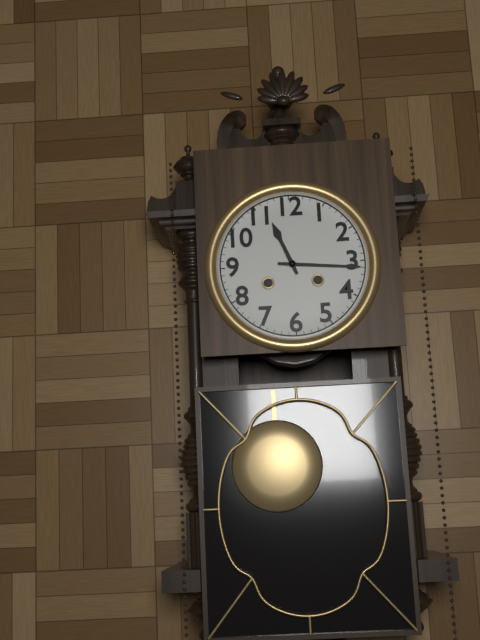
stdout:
{"hour": 11, "minute": 16}
